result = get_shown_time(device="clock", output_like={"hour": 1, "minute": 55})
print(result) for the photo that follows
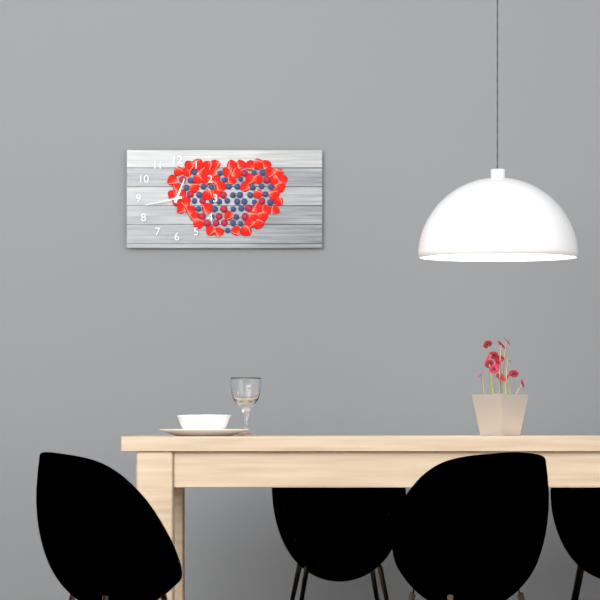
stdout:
{"hour": 12, "minute": 43}
